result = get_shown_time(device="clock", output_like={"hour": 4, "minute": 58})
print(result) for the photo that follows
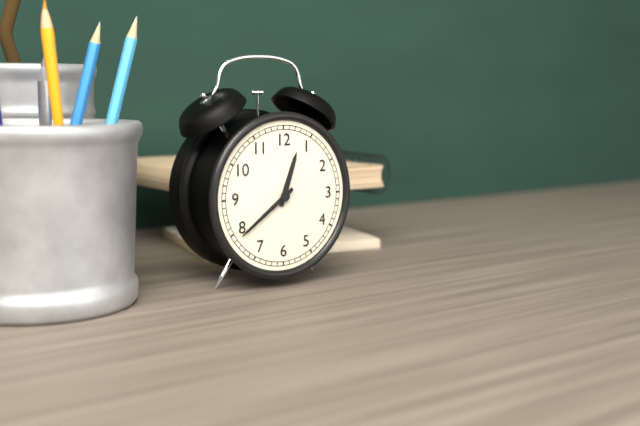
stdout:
{"hour": 12, "minute": 39}
